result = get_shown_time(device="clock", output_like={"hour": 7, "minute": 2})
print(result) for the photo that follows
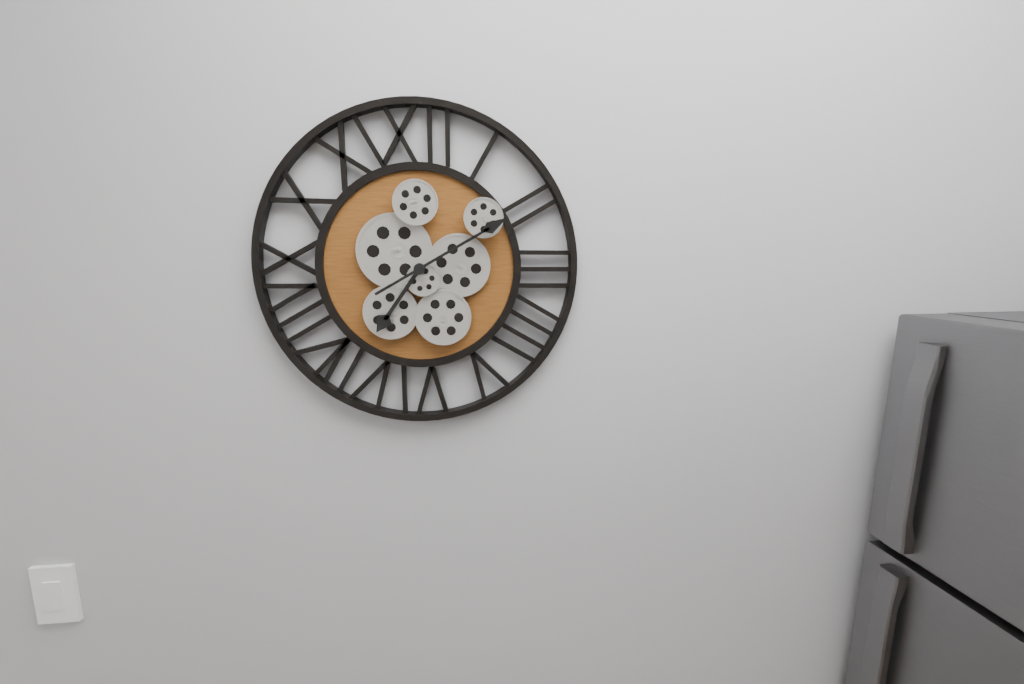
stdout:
{"hour": 7, "minute": 10}
